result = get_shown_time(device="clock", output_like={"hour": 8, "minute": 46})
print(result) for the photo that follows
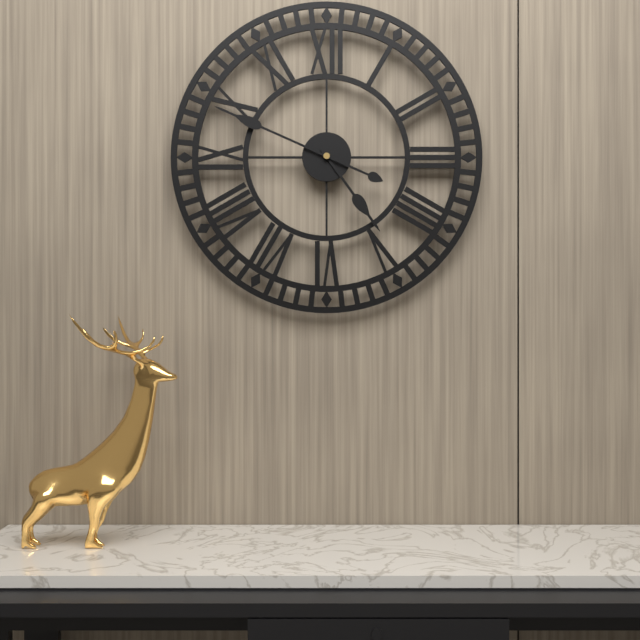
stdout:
{"hour": 4, "minute": 49}
